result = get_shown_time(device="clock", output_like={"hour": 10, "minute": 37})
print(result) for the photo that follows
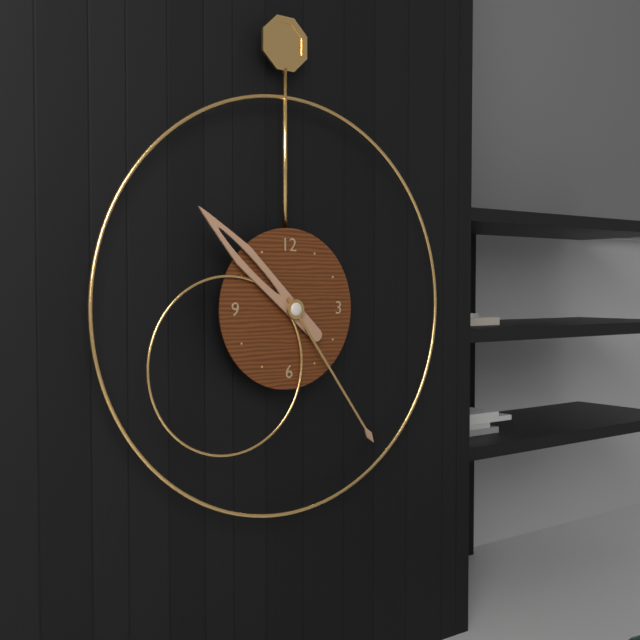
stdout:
{"hour": 10, "minute": 24}
